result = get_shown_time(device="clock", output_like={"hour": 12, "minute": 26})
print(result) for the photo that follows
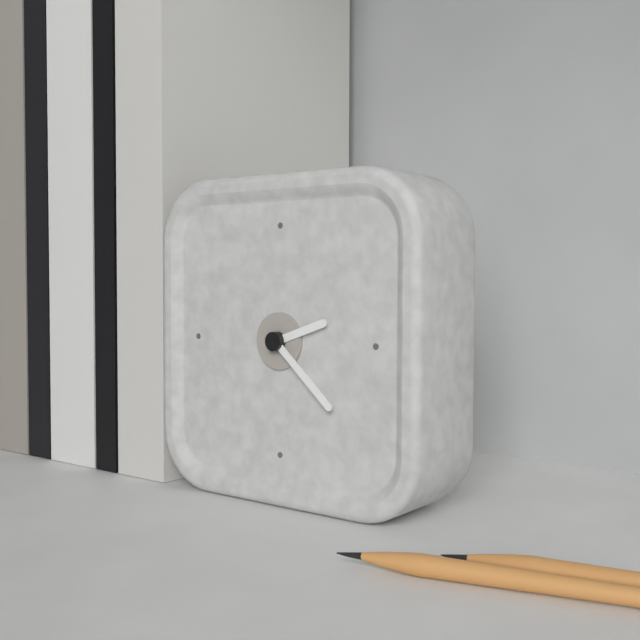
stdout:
{"hour": 2, "minute": 22}
